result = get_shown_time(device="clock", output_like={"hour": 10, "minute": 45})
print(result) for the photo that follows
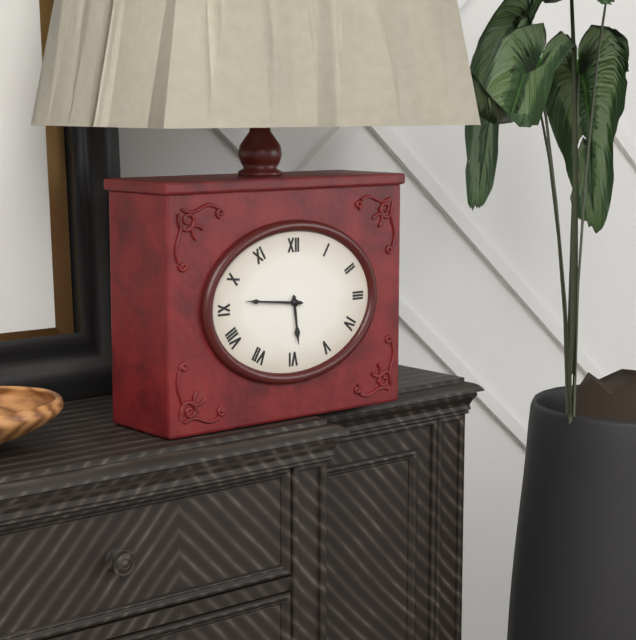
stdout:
{"hour": 5, "minute": 46}
